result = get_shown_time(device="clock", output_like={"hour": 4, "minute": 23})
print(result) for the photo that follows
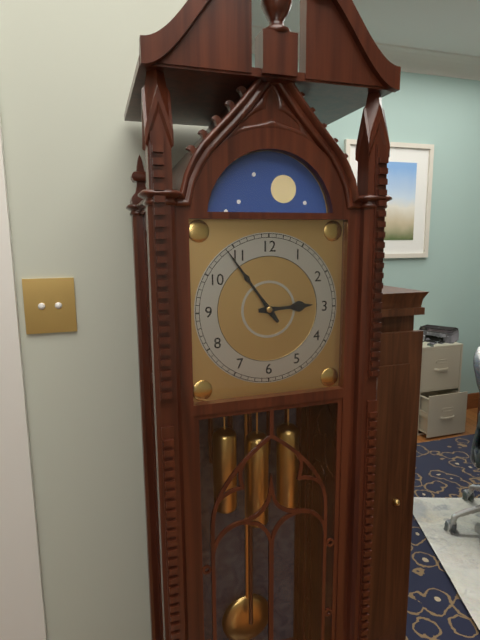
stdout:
{"hour": 2, "minute": 54}
